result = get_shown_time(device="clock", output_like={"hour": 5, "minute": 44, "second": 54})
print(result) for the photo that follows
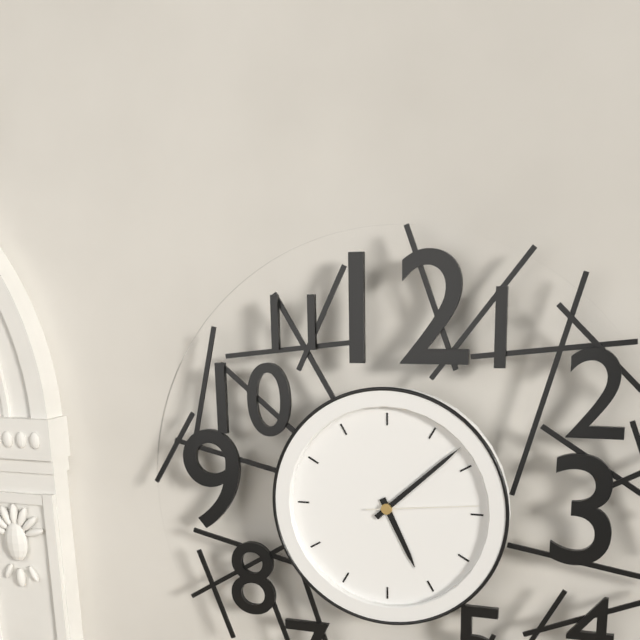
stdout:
{"hour": 5, "minute": 8, "second": 14}
